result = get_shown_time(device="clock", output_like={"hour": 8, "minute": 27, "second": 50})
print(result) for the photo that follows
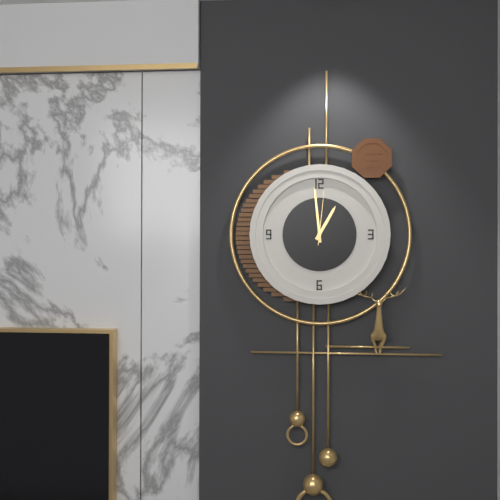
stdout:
{"hour": 12, "minute": 59, "second": 1}
